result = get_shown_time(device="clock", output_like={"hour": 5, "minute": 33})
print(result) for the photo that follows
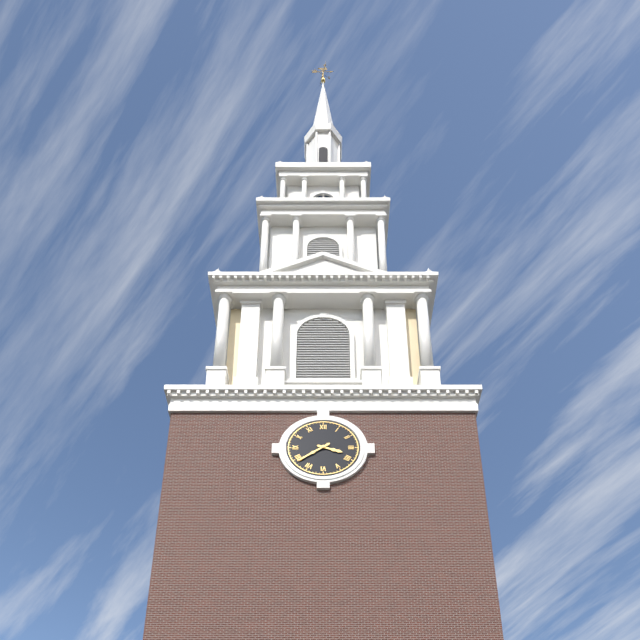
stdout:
{"hour": 3, "minute": 39}
